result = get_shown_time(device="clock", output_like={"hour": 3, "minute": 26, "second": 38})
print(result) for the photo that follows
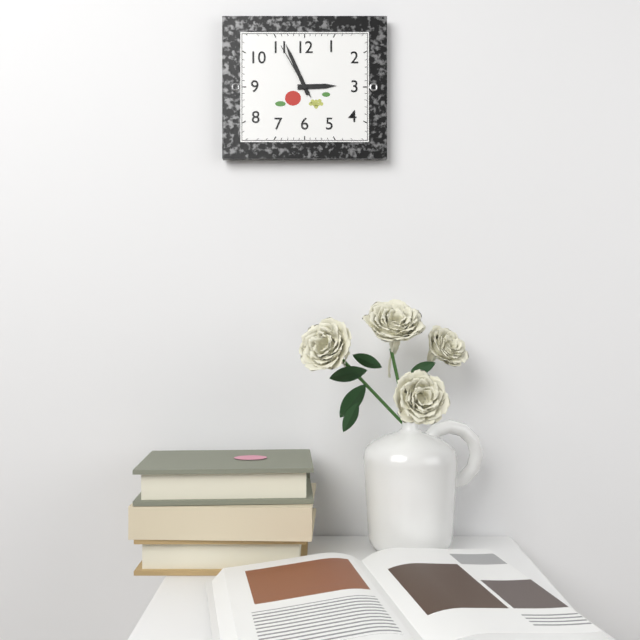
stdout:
{"hour": 2, "minute": 56, "second": 55}
